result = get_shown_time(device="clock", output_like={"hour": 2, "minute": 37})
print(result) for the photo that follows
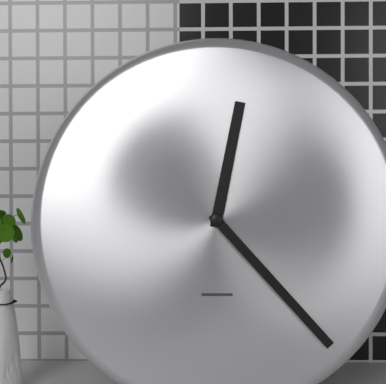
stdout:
{"hour": 12, "minute": 23}
